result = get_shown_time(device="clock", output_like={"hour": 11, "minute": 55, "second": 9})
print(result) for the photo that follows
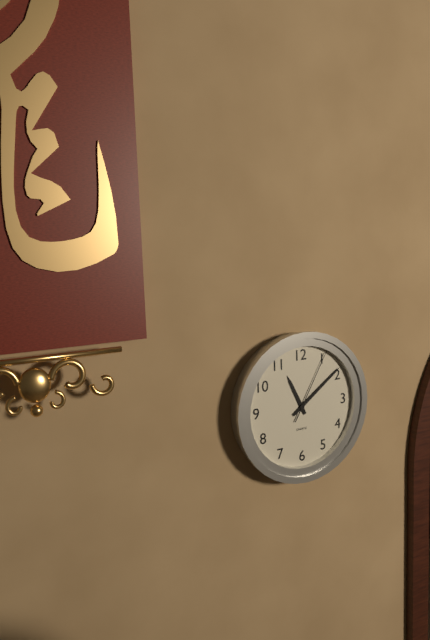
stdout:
{"hour": 11, "minute": 9, "second": 5}
